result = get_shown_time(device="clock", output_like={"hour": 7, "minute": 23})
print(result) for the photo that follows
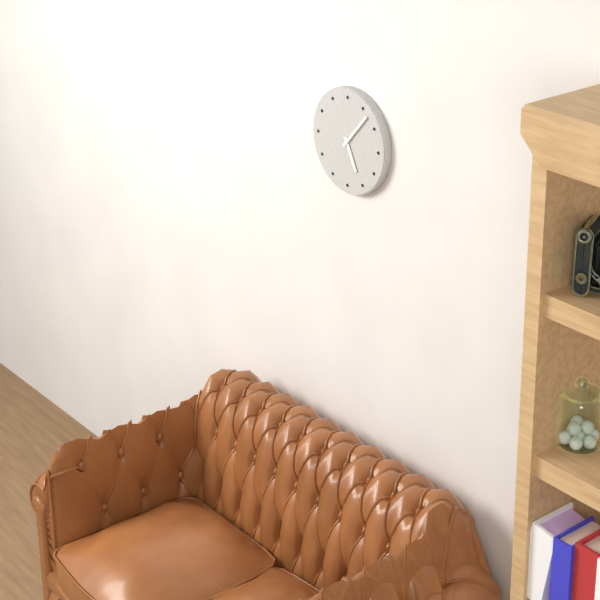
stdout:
{"hour": 5, "minute": 7}
